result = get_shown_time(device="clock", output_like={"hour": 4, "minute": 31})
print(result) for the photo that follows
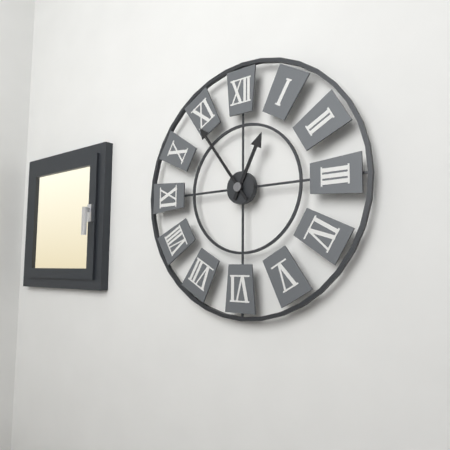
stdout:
{"hour": 12, "minute": 54}
